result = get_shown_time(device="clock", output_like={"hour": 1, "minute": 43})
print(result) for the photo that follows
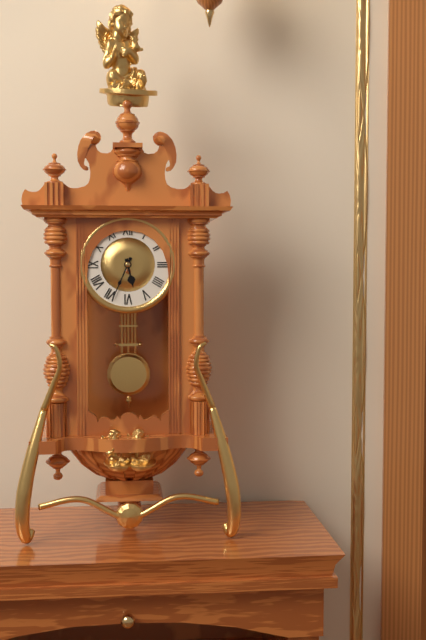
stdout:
{"hour": 5, "minute": 34}
